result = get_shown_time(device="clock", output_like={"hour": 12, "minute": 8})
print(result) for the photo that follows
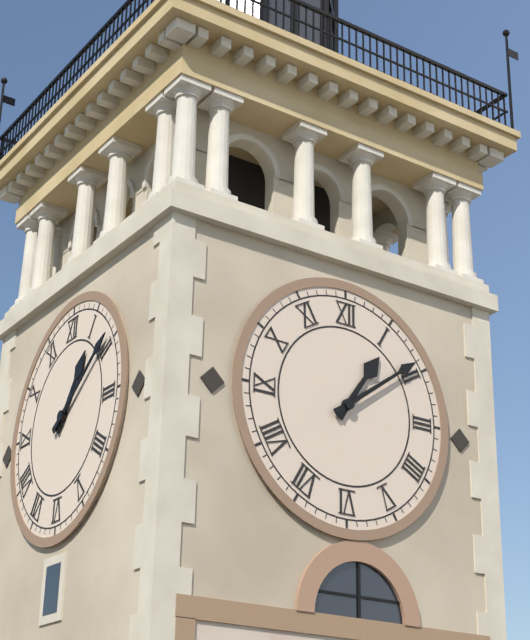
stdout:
{"hour": 1, "minute": 9}
